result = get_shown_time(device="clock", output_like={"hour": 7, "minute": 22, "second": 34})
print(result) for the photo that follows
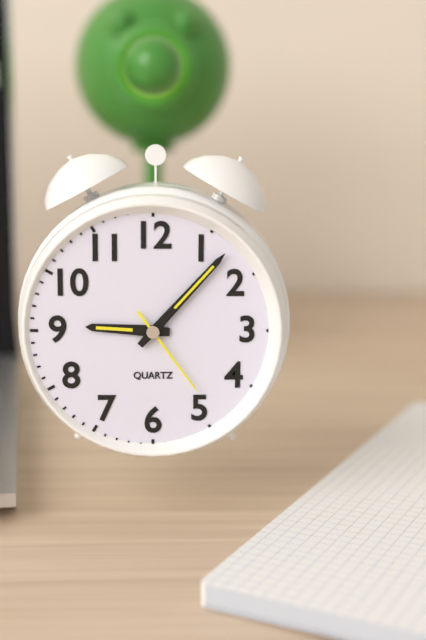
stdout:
{"hour": 9, "minute": 7, "second": 24}
